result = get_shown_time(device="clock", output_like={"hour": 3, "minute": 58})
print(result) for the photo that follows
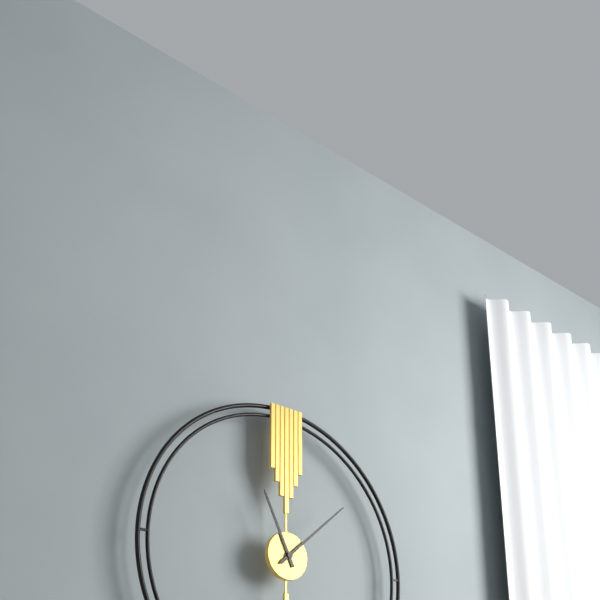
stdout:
{"hour": 11, "minute": 8}
